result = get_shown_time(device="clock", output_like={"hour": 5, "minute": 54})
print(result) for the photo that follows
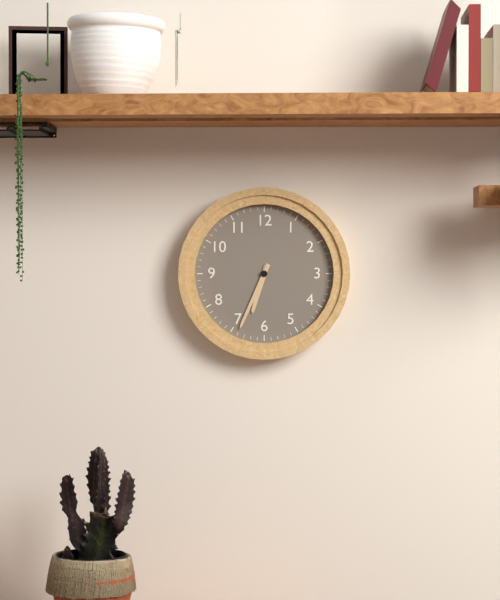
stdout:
{"hour": 6, "minute": 34}
